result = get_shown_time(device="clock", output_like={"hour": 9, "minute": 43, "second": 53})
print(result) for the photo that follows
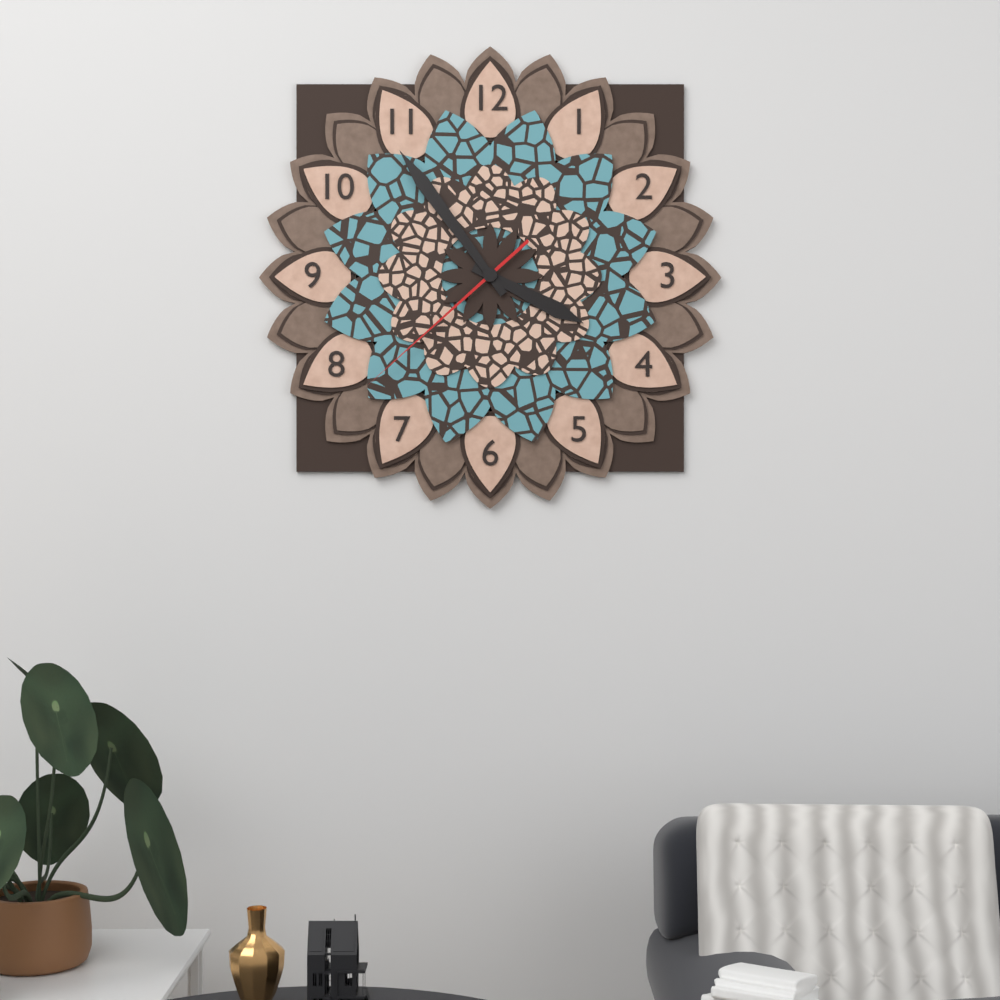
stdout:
{"hour": 3, "minute": 54, "second": 38}
